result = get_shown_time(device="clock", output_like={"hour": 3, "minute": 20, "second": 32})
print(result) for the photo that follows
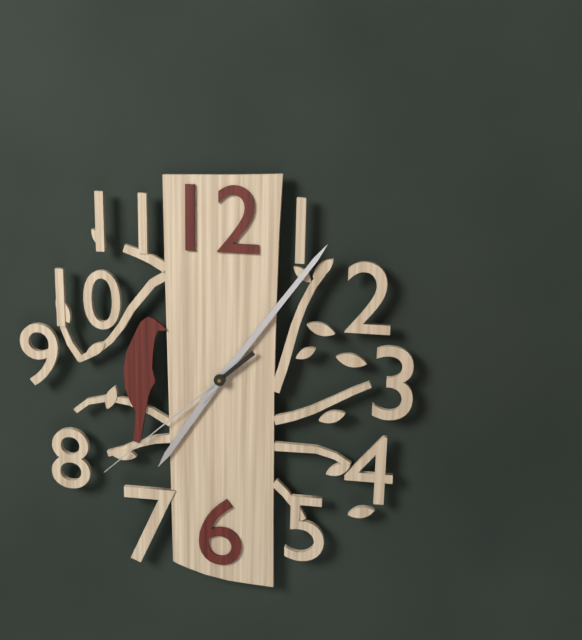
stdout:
{"hour": 7, "minute": 6, "second": 38}
